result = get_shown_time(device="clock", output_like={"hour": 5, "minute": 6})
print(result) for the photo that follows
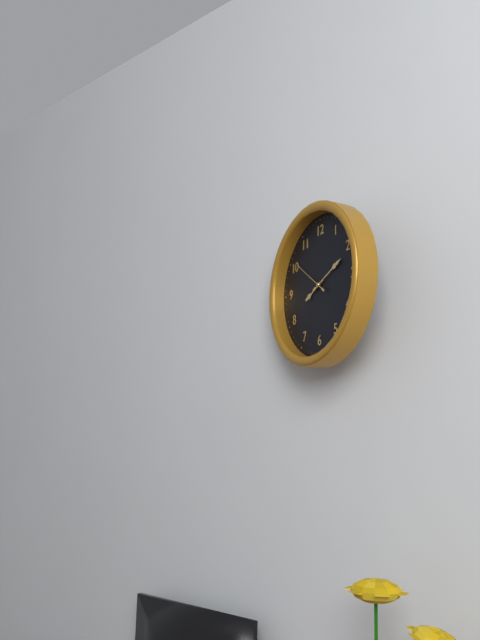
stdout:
{"hour": 8, "minute": 11}
